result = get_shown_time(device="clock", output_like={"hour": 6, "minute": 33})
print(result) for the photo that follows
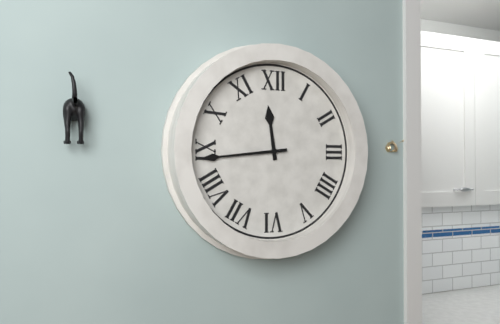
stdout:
{"hour": 11, "minute": 44}
